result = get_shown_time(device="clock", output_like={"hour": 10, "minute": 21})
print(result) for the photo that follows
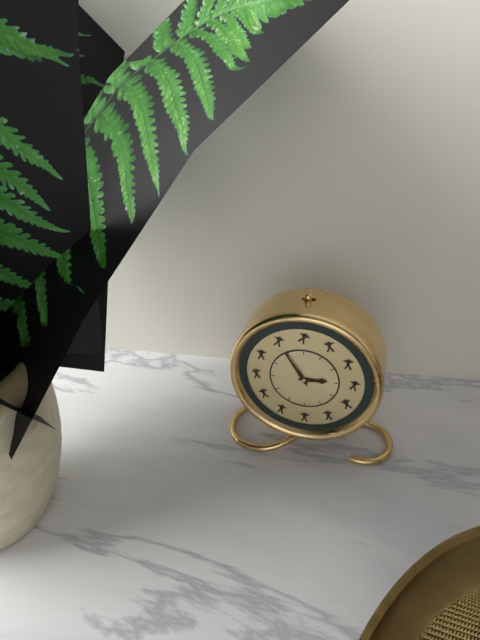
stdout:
{"hour": 2, "minute": 55}
